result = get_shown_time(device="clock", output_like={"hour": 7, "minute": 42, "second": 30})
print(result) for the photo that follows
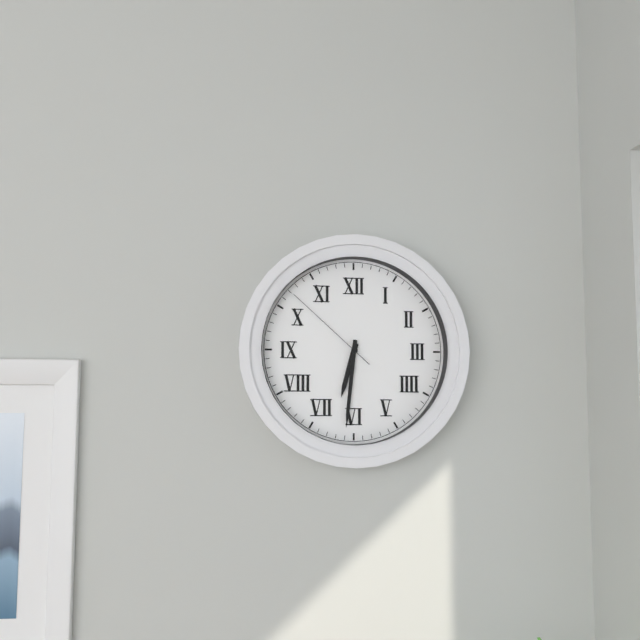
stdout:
{"hour": 6, "minute": 31, "second": 52}
